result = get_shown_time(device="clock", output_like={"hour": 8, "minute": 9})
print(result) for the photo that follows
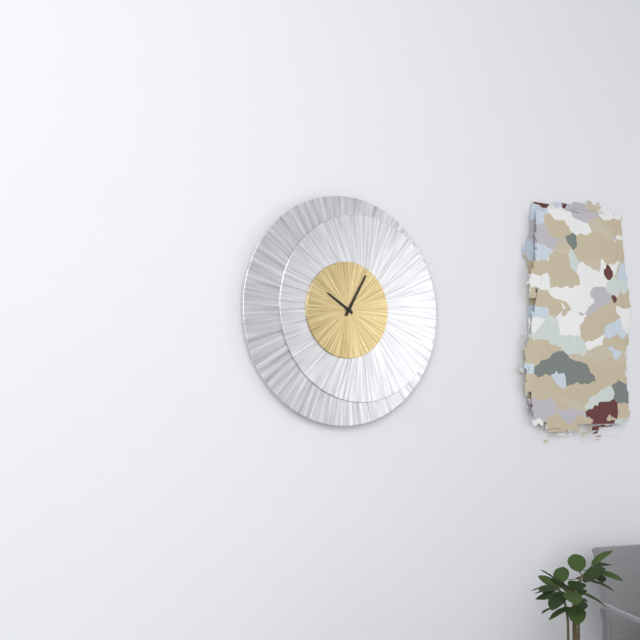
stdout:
{"hour": 10, "minute": 5}
